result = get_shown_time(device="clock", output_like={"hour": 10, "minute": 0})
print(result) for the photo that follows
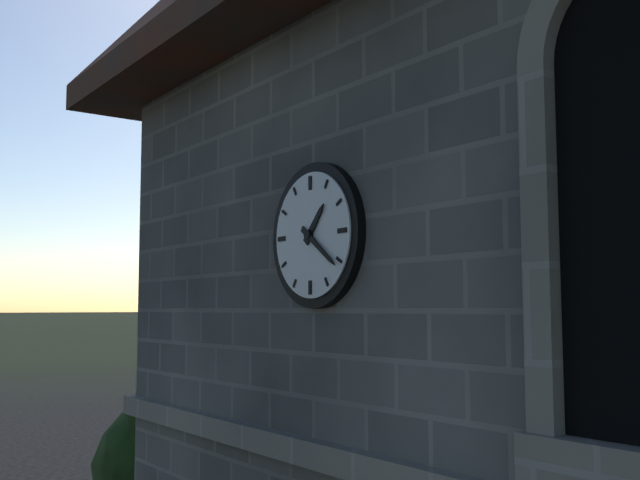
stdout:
{"hour": 1, "minute": 21}
